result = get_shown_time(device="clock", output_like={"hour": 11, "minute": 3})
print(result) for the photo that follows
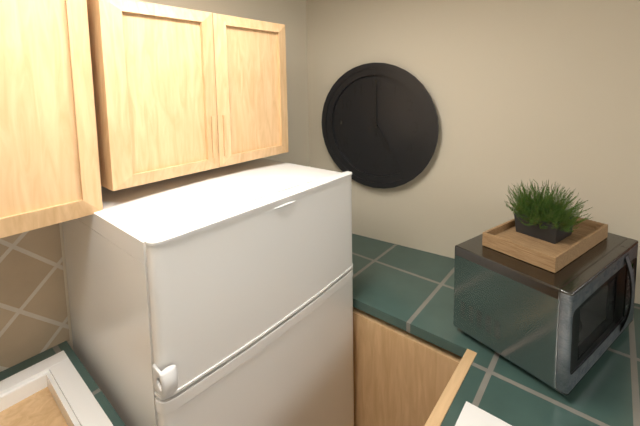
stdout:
{"hour": 5, "minute": 0}
